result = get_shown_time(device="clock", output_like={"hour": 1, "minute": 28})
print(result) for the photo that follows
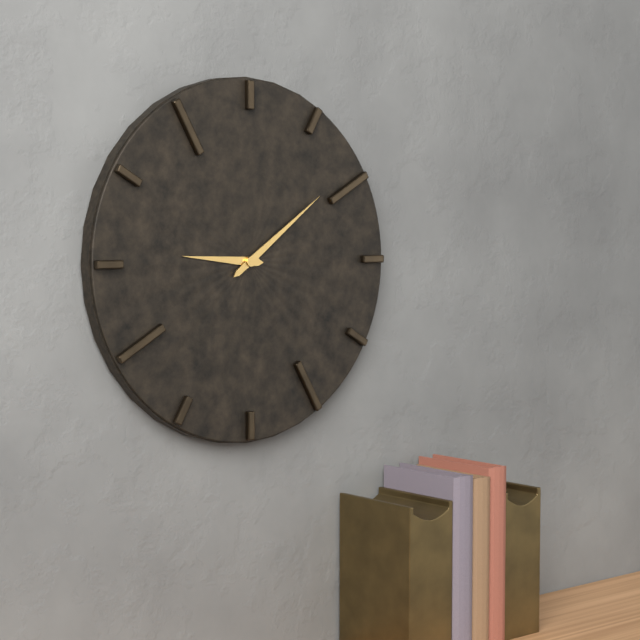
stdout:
{"hour": 9, "minute": 9}
